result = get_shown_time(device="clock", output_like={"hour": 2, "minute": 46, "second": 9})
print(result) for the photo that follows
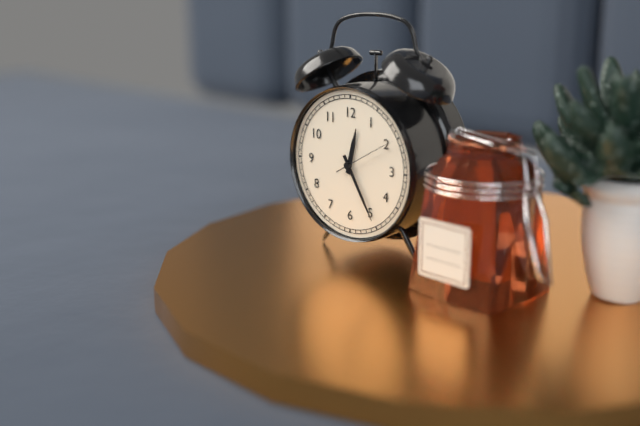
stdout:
{"hour": 12, "minute": 25, "second": 10}
